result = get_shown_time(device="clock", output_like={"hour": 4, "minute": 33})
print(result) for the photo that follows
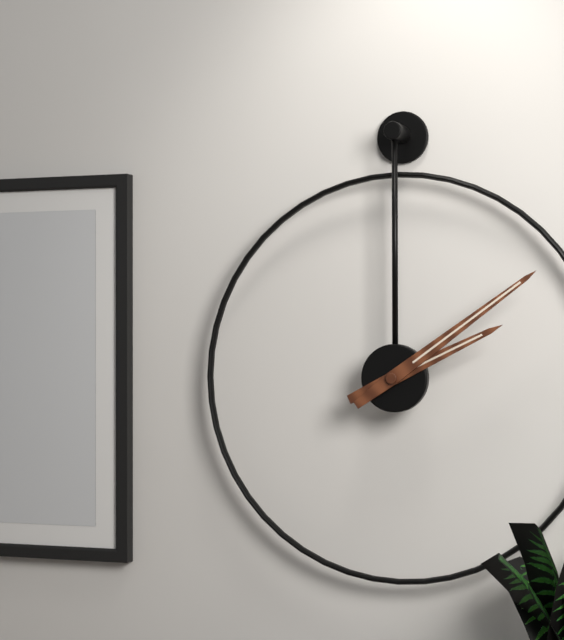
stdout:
{"hour": 2, "minute": 9}
